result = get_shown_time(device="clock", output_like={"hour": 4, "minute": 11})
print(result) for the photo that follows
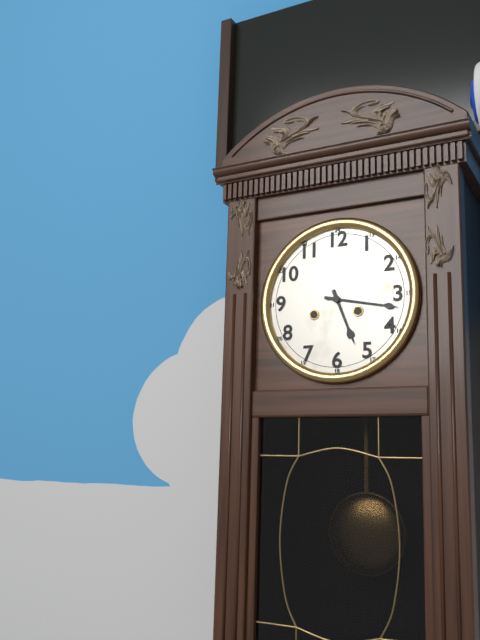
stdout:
{"hour": 5, "minute": 17}
